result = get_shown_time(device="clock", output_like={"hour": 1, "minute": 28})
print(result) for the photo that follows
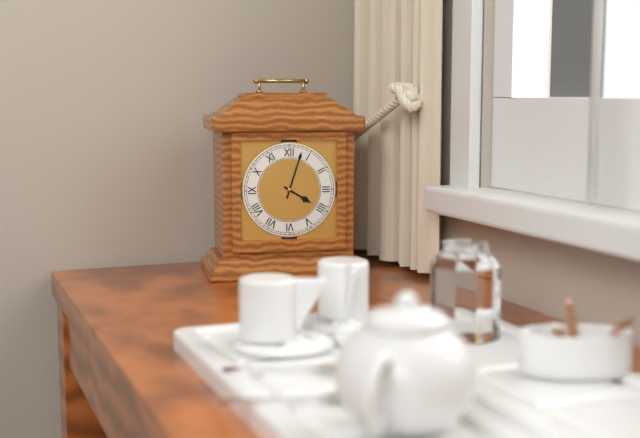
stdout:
{"hour": 4, "minute": 3}
